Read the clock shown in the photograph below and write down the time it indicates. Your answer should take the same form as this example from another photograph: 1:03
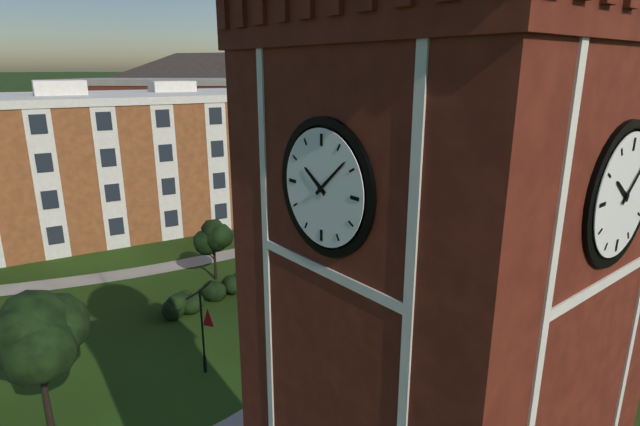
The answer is 10:08
